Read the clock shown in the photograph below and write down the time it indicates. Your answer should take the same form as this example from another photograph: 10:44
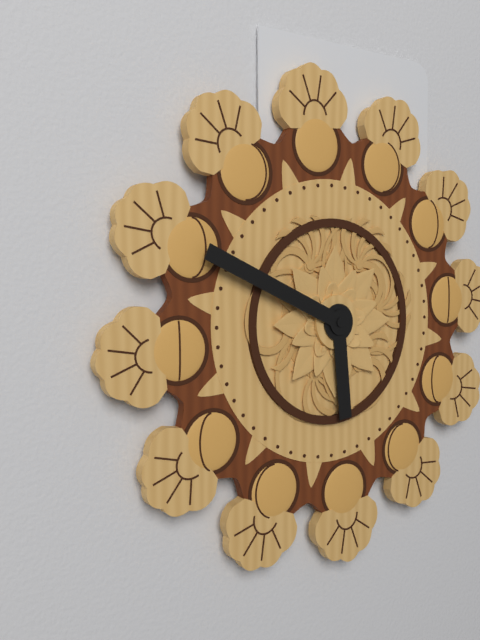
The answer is 5:49
